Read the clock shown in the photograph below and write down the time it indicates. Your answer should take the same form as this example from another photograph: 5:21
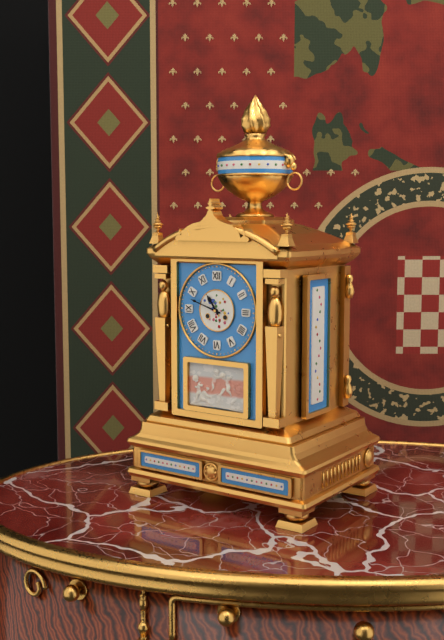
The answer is 10:48
